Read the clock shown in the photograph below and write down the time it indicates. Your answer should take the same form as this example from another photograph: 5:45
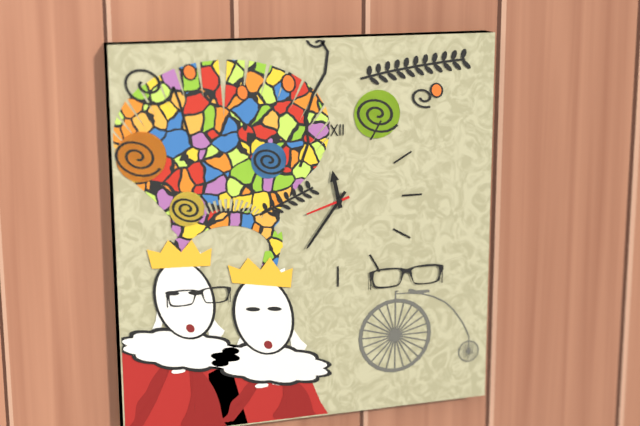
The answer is 11:36
